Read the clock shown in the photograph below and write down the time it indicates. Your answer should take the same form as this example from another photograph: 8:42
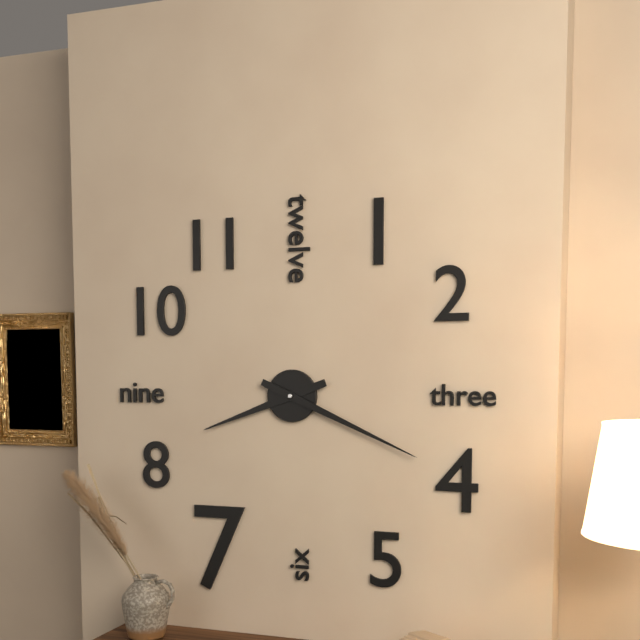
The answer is 8:19
